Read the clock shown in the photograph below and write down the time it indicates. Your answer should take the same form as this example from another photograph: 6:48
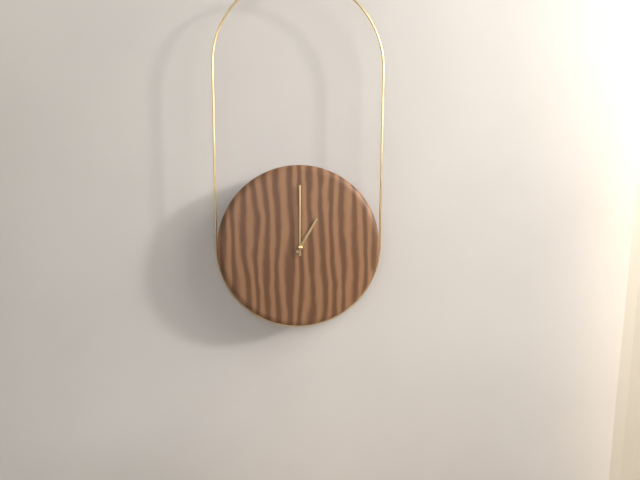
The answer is 1:00
